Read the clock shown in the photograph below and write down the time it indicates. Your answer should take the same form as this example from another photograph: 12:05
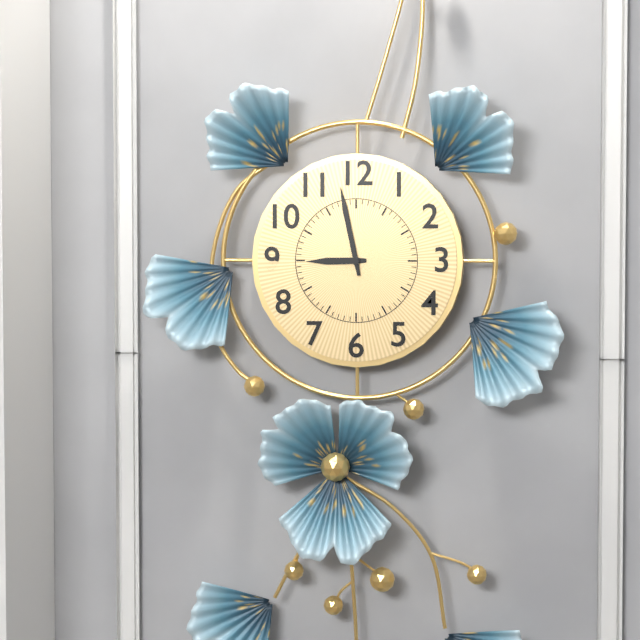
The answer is 8:58
